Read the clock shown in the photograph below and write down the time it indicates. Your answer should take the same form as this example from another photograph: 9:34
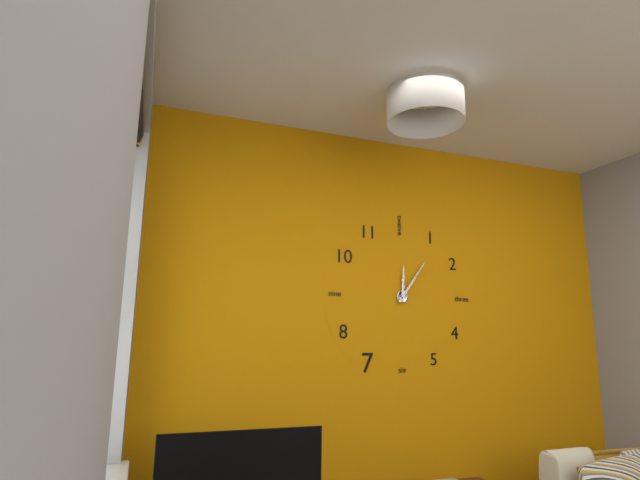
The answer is 12:06
